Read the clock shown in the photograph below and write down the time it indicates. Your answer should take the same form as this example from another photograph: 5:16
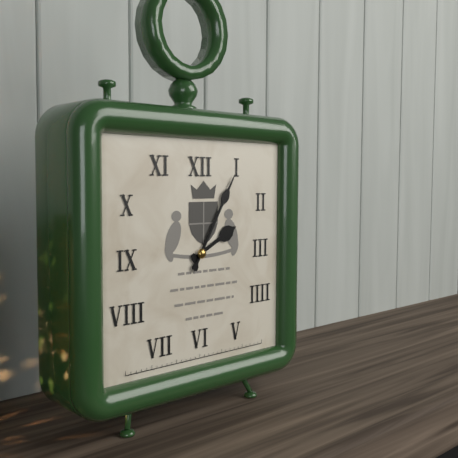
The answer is 2:05
